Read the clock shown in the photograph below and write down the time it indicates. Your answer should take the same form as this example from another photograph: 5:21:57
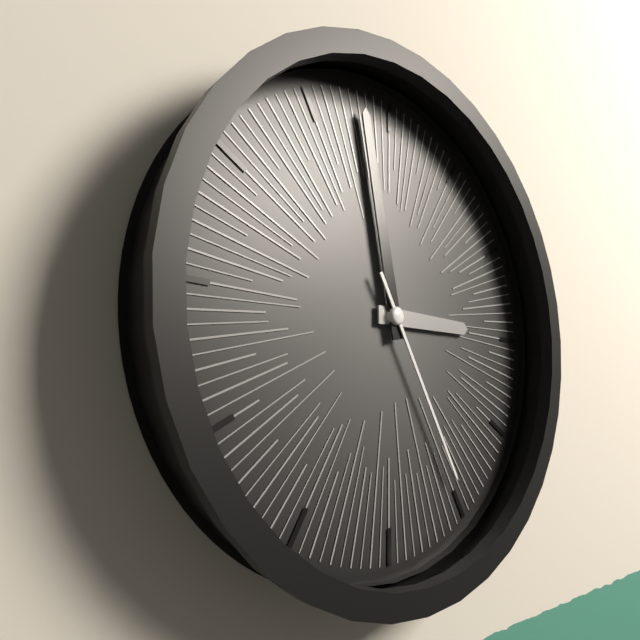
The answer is 2:58:25
